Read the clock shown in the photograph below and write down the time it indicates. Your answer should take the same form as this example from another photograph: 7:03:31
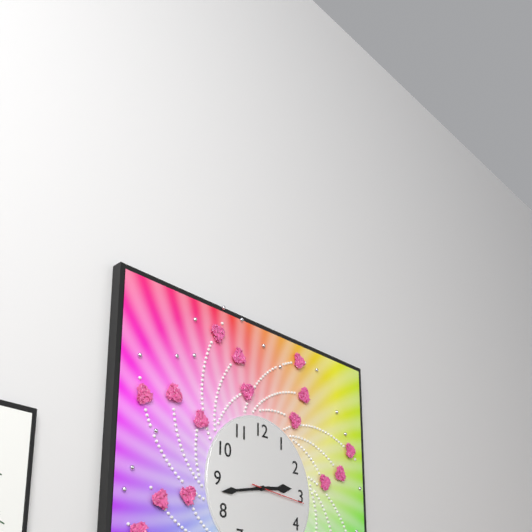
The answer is 2:43:16
